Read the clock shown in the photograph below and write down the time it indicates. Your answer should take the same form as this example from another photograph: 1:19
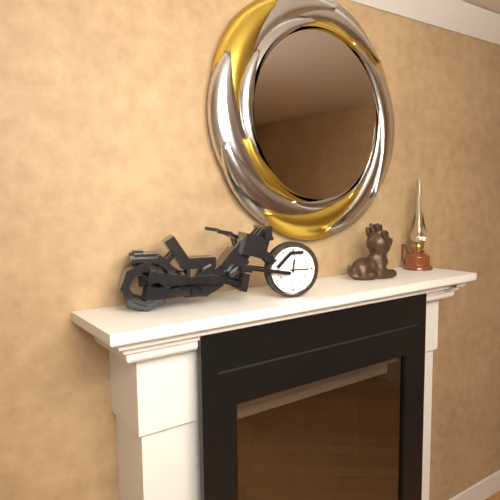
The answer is 12:15
